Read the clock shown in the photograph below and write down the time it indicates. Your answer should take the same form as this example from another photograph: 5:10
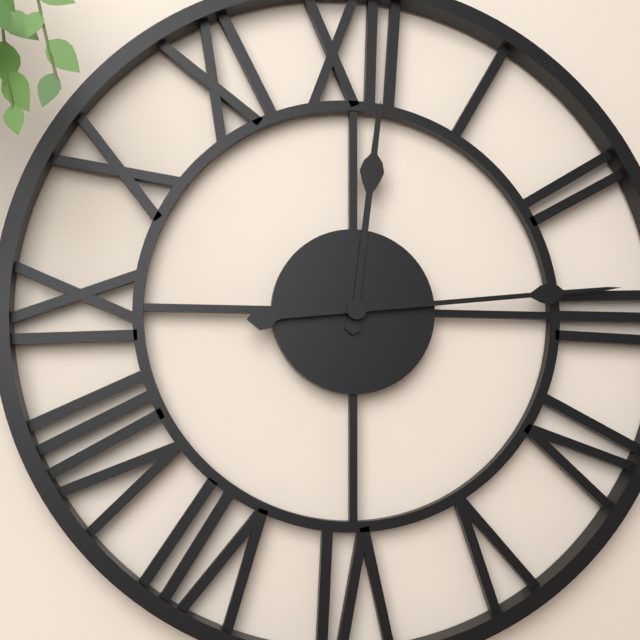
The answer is 12:14
